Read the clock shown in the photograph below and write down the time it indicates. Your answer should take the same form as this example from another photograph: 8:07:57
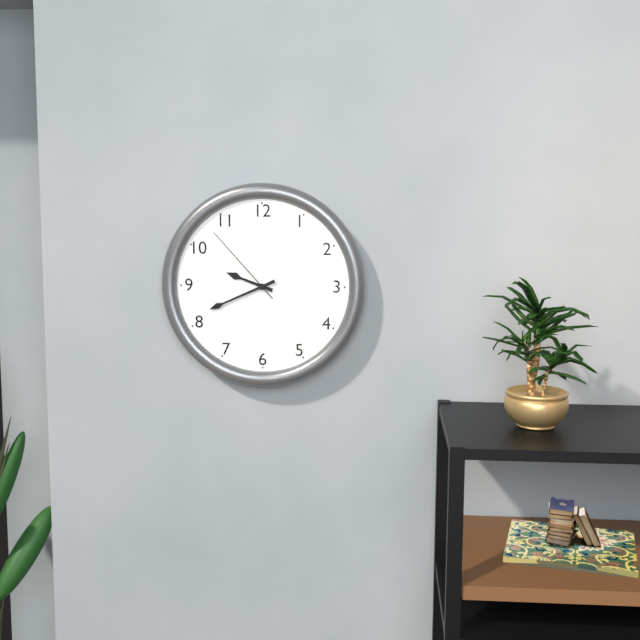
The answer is 9:41:53
